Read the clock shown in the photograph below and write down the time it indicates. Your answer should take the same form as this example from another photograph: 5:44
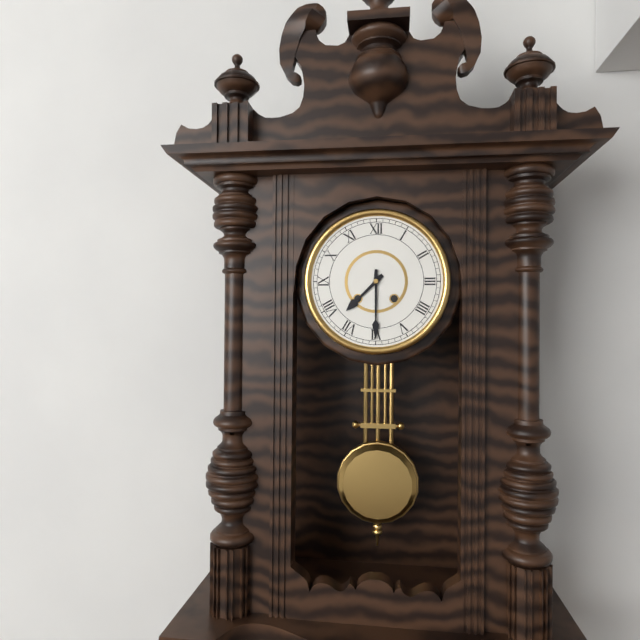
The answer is 7:30
